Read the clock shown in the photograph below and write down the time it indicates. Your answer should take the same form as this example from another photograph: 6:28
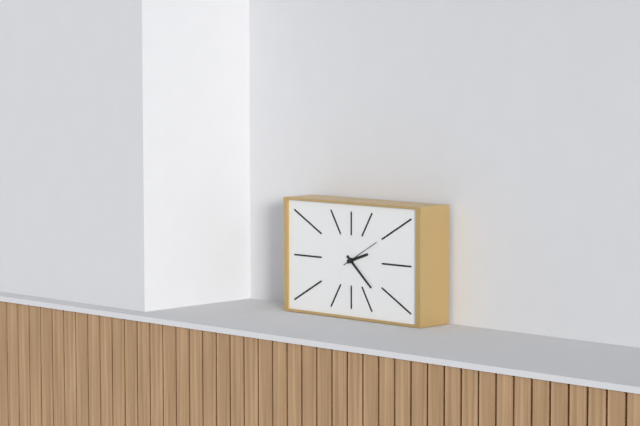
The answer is 2:22
